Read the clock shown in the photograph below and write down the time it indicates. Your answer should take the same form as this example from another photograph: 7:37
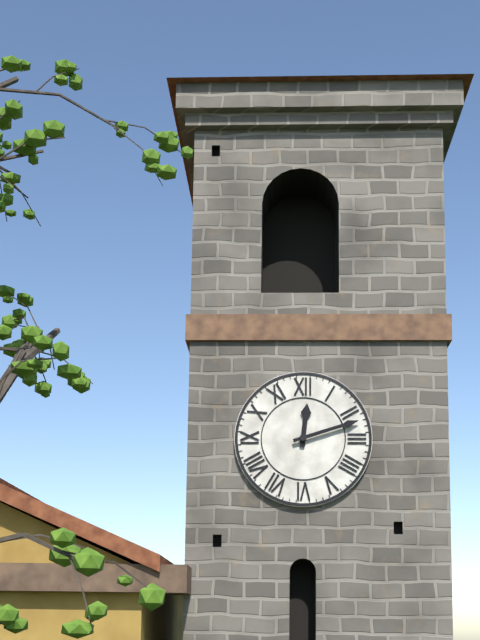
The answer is 12:12
